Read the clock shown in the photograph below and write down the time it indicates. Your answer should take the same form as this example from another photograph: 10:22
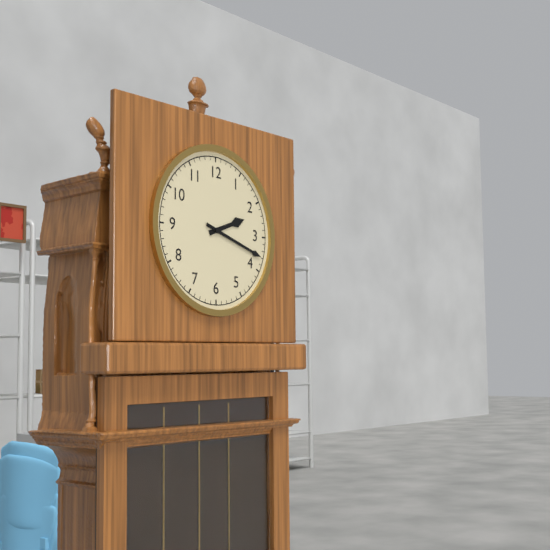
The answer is 2:18
